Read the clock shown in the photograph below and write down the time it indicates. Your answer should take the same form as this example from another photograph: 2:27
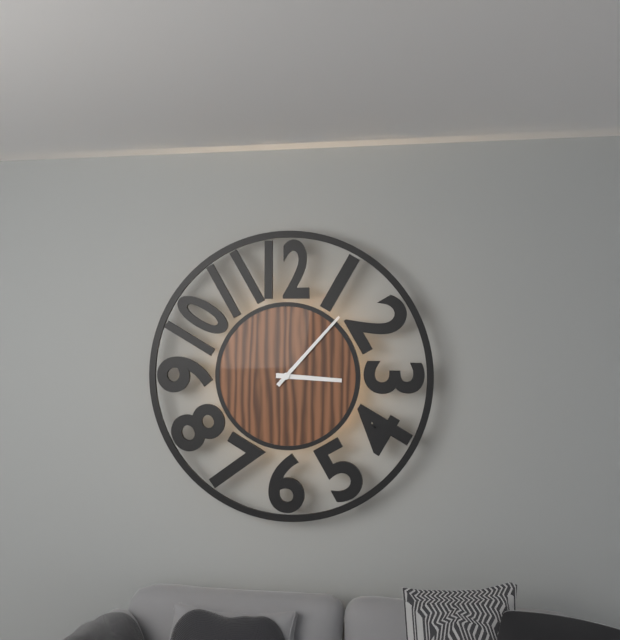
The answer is 3:07
